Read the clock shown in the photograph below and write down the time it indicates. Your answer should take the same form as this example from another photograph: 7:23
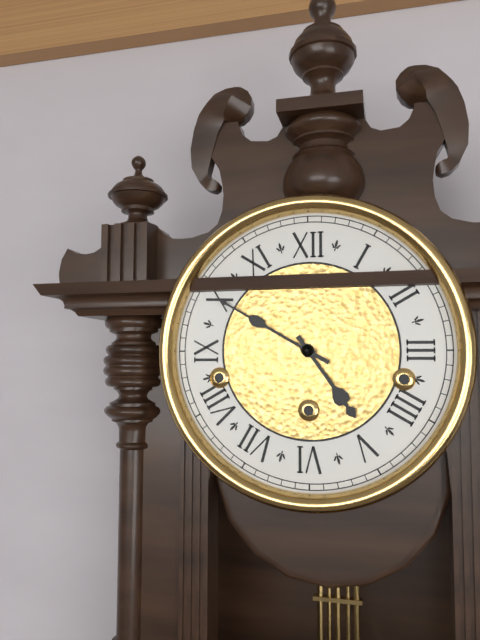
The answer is 4:50
